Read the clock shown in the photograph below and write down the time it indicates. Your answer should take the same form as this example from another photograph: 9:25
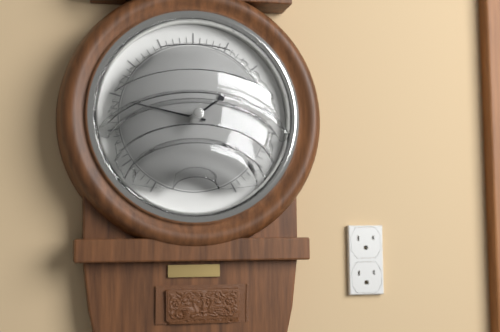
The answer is 1:47
